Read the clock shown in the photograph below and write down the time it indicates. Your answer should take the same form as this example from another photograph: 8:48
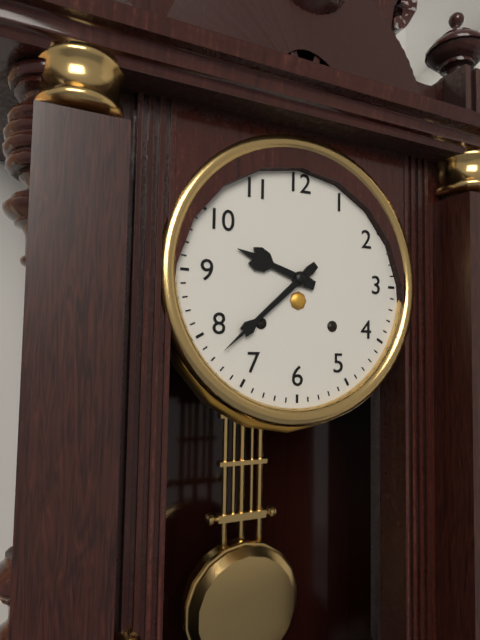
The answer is 9:38
